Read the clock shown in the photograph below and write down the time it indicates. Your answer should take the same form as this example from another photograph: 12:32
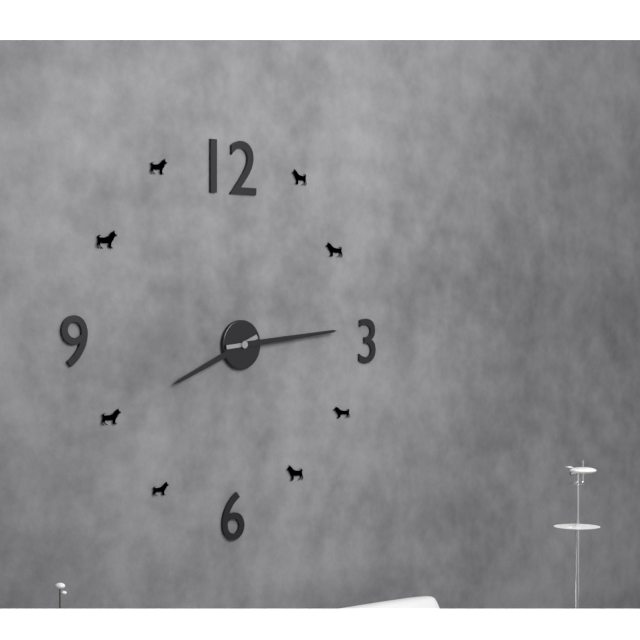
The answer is 8:14
